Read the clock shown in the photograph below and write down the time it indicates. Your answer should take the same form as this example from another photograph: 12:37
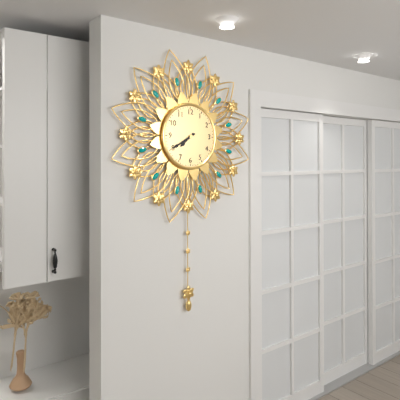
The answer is 7:40
